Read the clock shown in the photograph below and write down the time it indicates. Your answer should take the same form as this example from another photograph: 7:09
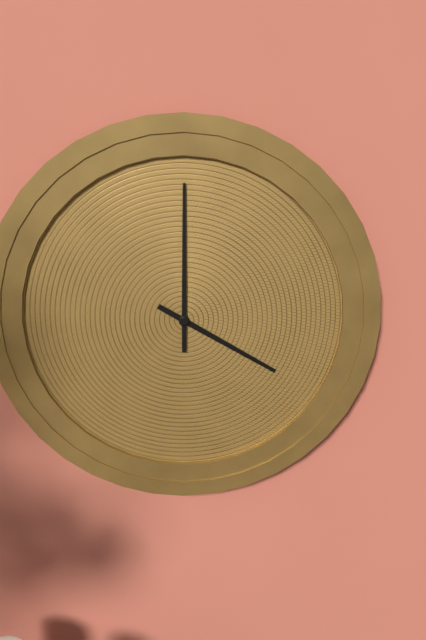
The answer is 4:00
